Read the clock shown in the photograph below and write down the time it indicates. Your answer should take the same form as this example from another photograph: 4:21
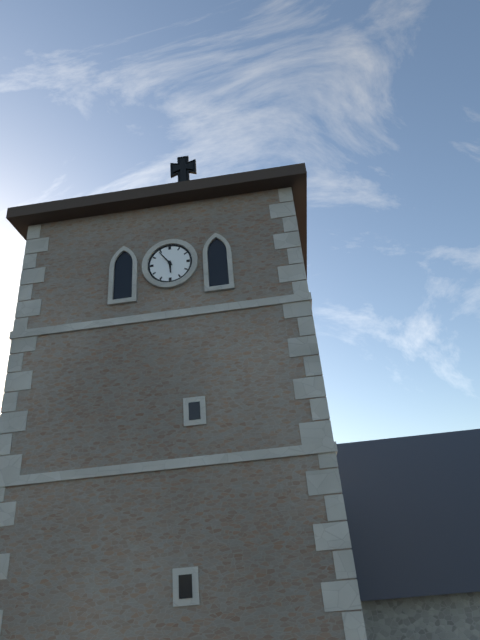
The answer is 5:54
